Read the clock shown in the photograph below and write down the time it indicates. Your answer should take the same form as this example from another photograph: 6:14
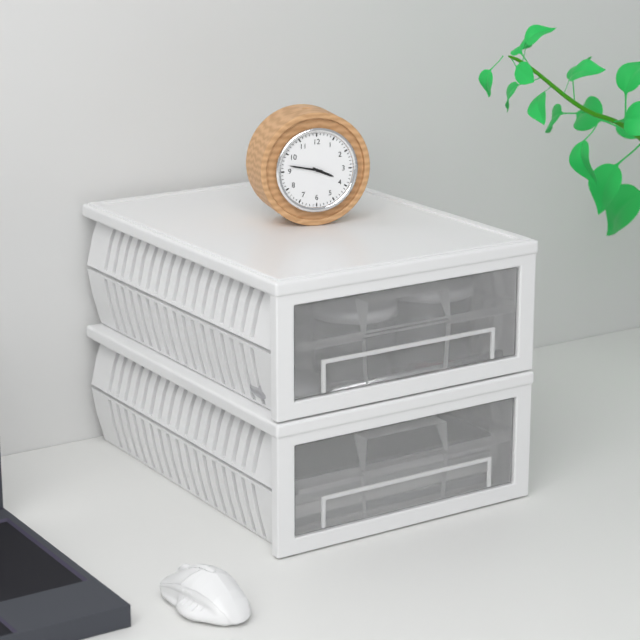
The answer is 3:47
